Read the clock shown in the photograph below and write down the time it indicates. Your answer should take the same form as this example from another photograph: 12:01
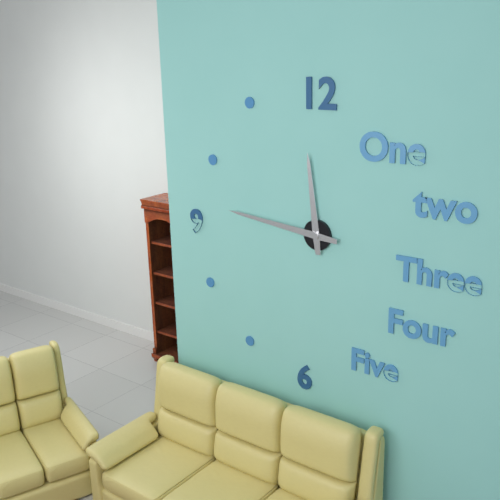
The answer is 11:46
